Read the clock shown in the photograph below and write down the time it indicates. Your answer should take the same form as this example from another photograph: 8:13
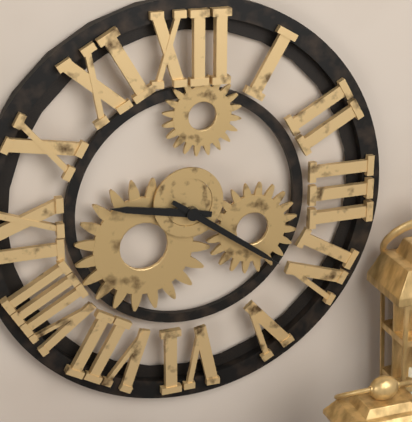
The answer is 9:21
